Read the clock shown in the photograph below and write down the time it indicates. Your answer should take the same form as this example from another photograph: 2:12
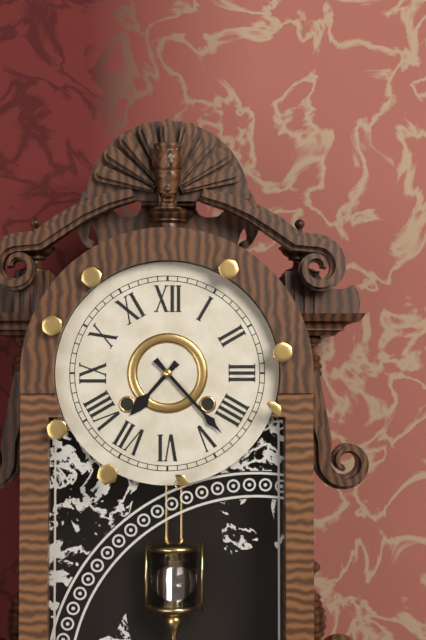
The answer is 7:23
